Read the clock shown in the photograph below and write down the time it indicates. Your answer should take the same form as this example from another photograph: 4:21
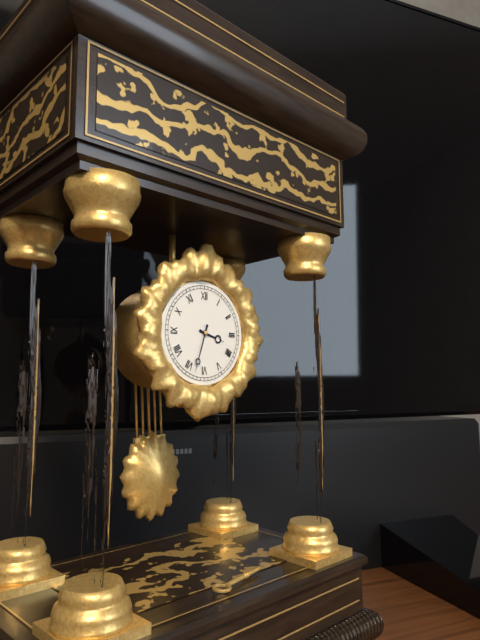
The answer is 3:33
